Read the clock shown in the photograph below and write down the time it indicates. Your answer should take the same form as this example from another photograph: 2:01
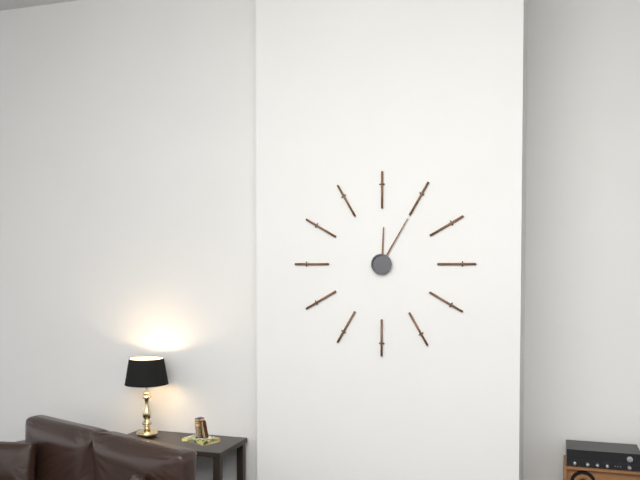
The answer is 12:05
